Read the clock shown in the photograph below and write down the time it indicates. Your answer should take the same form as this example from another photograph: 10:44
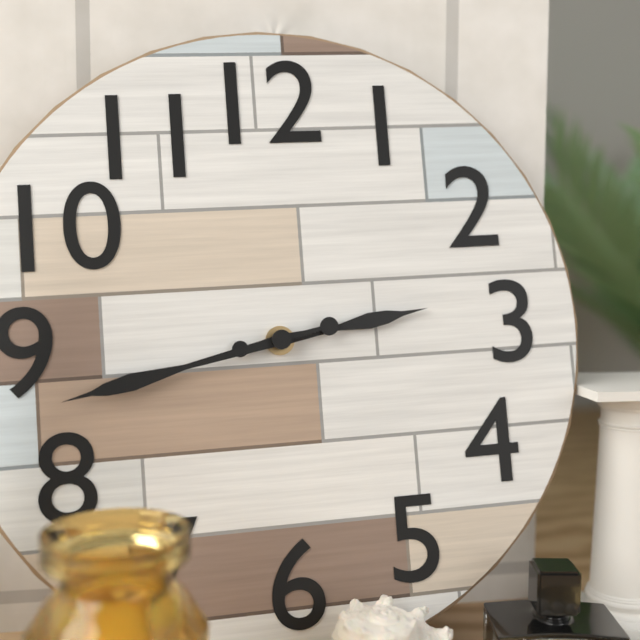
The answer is 2:43
